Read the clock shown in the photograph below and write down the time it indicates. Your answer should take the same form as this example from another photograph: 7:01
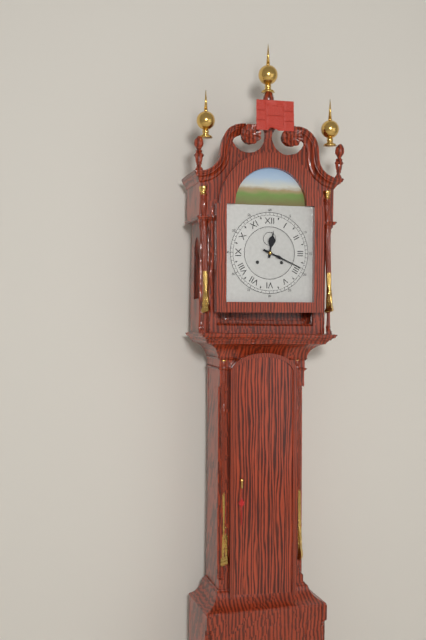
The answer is 12:19
